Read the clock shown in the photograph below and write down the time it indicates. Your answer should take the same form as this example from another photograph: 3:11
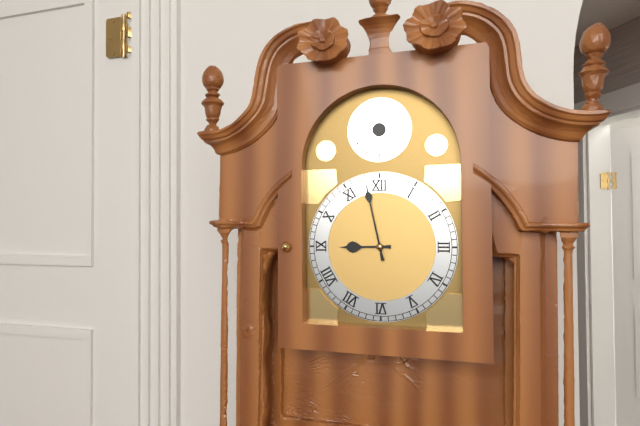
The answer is 8:58
